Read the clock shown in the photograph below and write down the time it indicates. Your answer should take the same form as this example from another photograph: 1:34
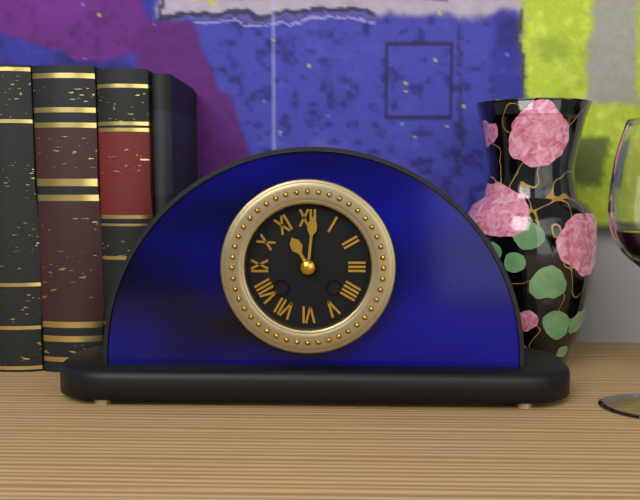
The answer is 11:01
